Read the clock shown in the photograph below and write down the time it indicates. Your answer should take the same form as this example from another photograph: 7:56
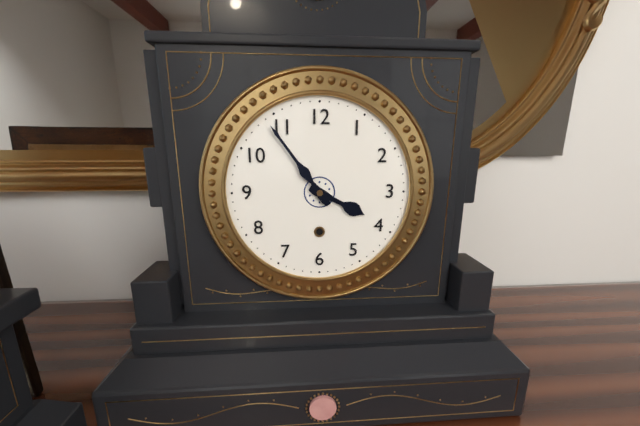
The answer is 3:54
